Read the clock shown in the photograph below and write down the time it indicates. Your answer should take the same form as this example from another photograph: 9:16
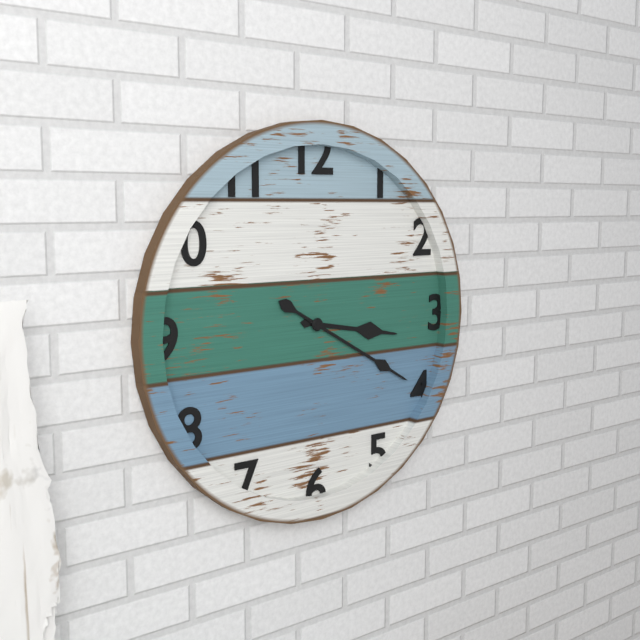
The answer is 3:20
